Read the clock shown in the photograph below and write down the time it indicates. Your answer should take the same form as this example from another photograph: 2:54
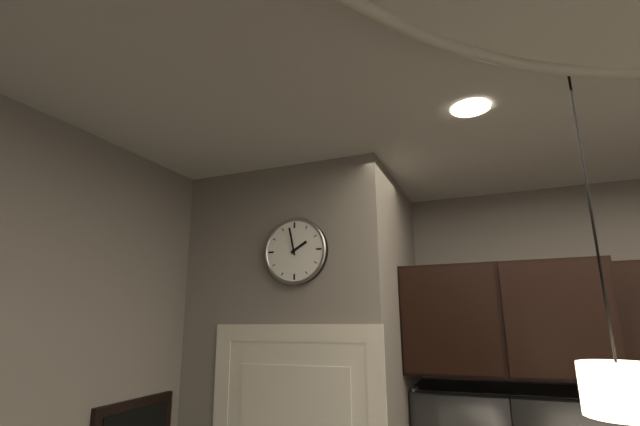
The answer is 1:58
